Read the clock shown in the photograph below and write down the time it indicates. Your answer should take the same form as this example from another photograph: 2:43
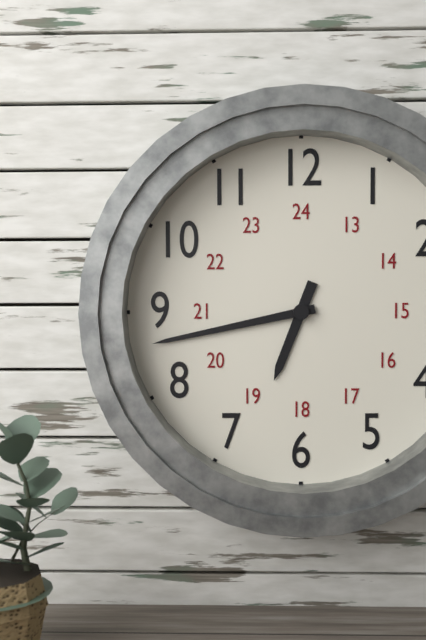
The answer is 6:43
